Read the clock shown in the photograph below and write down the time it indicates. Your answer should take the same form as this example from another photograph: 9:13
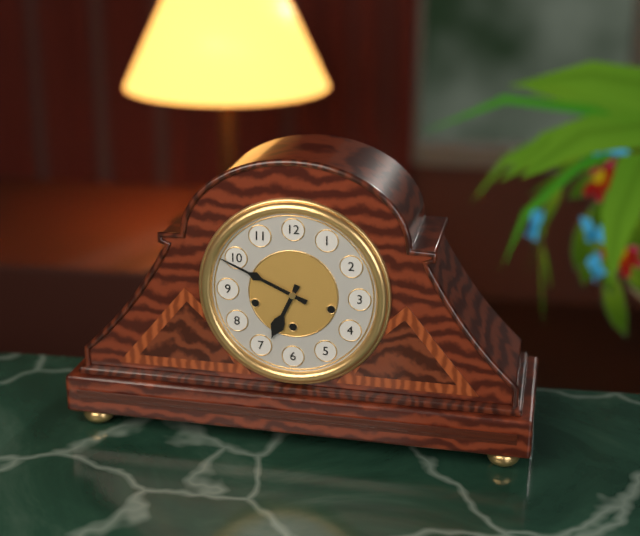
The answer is 6:49
